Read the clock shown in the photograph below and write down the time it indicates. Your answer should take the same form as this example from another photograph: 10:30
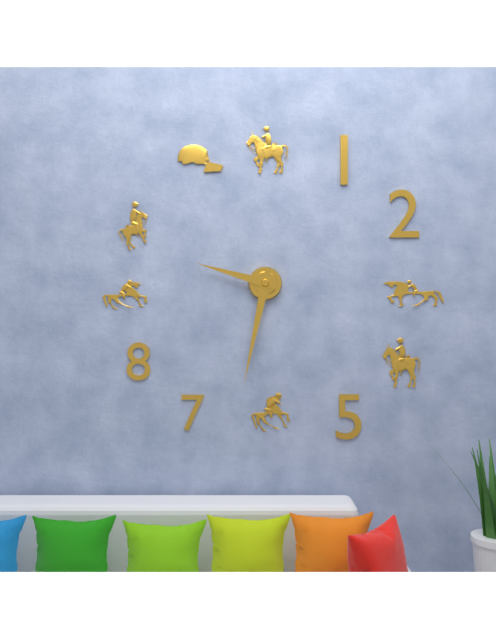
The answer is 9:32
